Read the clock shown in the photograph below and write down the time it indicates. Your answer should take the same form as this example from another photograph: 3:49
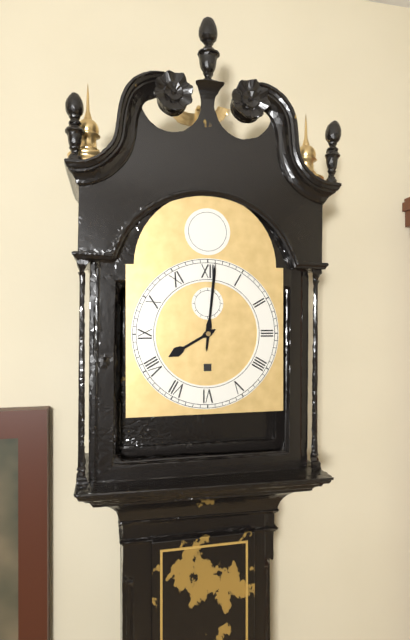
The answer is 8:01
